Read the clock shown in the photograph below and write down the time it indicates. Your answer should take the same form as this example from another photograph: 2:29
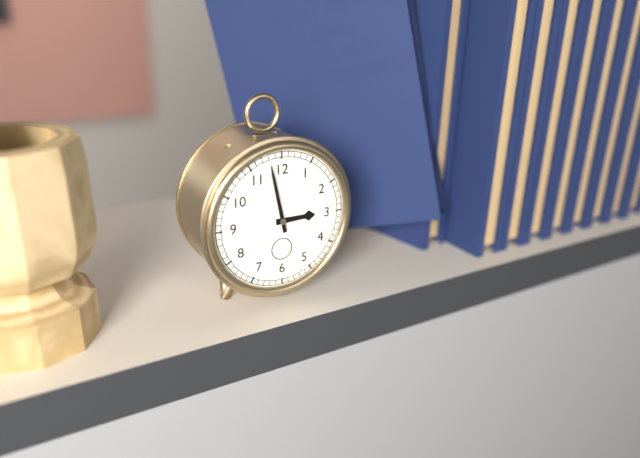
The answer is 2:58
